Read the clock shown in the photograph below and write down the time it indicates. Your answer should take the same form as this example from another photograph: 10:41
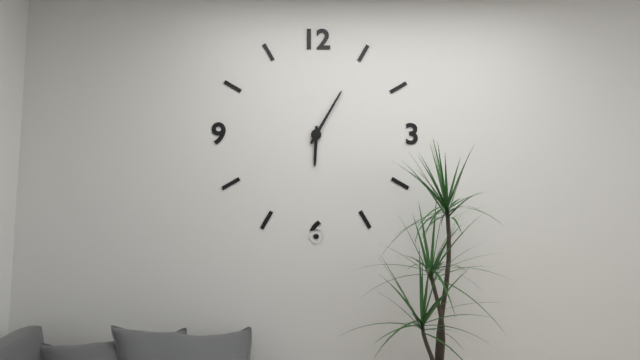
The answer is 6:05
